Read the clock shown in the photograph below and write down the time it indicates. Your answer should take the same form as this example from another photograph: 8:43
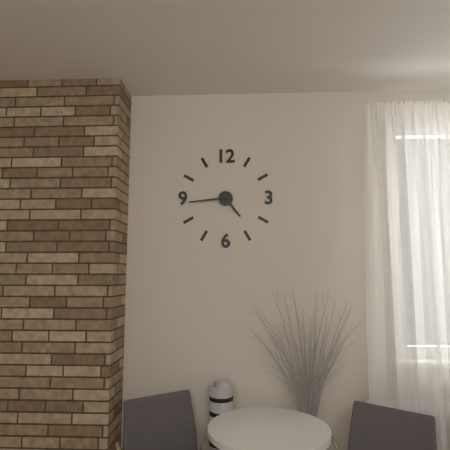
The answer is 4:44
